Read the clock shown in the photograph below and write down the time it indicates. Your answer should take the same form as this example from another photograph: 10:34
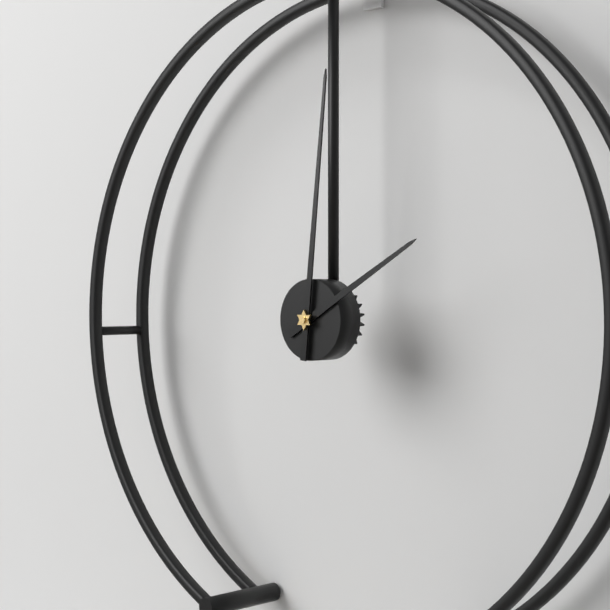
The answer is 2:01
